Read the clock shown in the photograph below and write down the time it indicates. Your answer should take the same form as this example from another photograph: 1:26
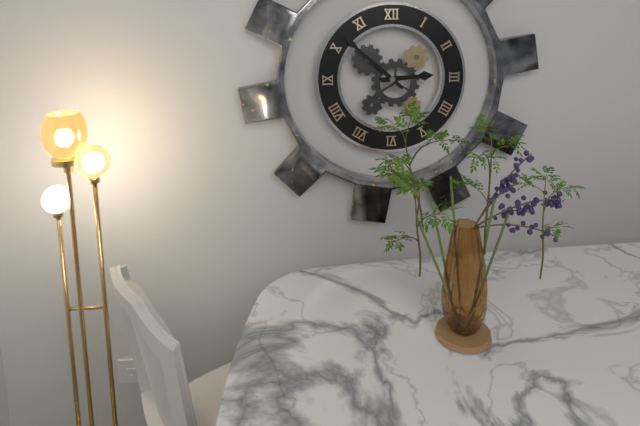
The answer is 2:52
